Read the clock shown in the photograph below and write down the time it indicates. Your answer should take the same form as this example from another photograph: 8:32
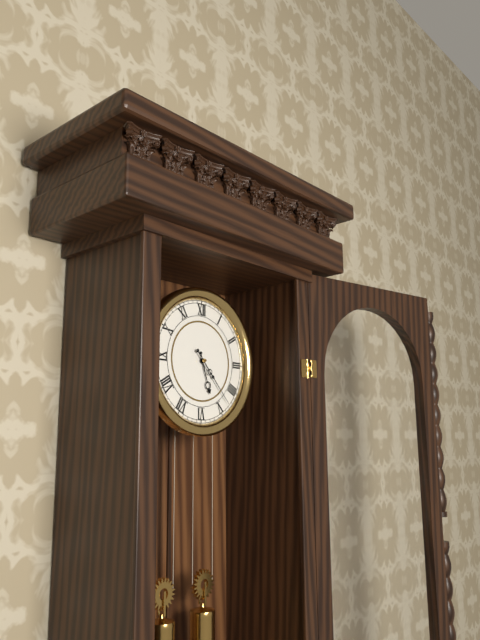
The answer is 5:23
